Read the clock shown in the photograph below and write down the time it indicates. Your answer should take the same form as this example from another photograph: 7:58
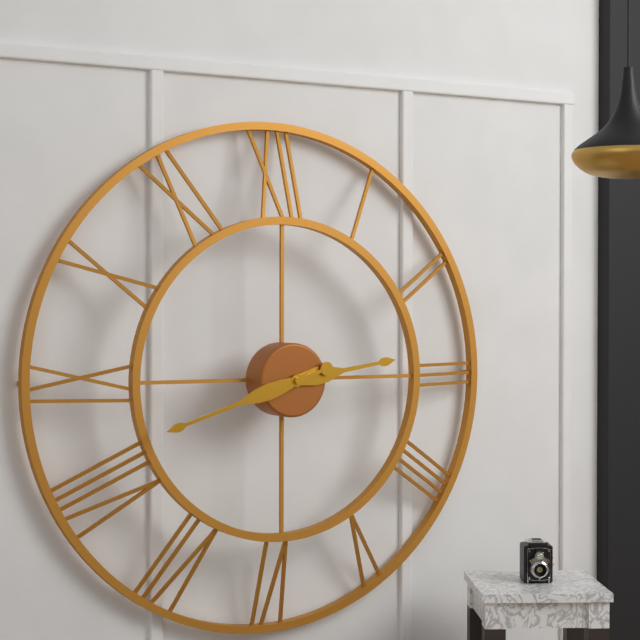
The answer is 2:42
